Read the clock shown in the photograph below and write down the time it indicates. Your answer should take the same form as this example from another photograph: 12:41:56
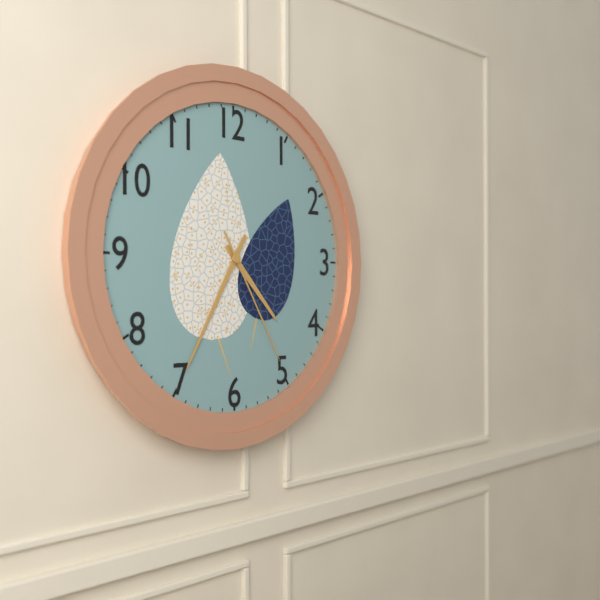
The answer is 4:35:25
